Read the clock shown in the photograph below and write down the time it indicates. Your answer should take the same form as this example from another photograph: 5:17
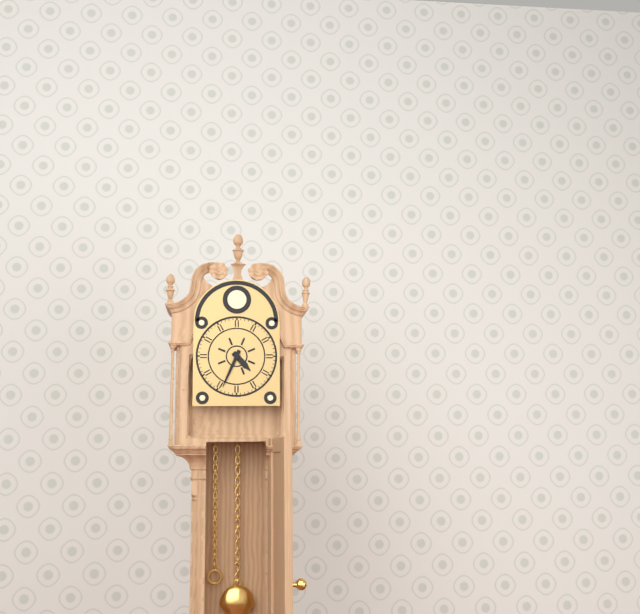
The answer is 4:34
